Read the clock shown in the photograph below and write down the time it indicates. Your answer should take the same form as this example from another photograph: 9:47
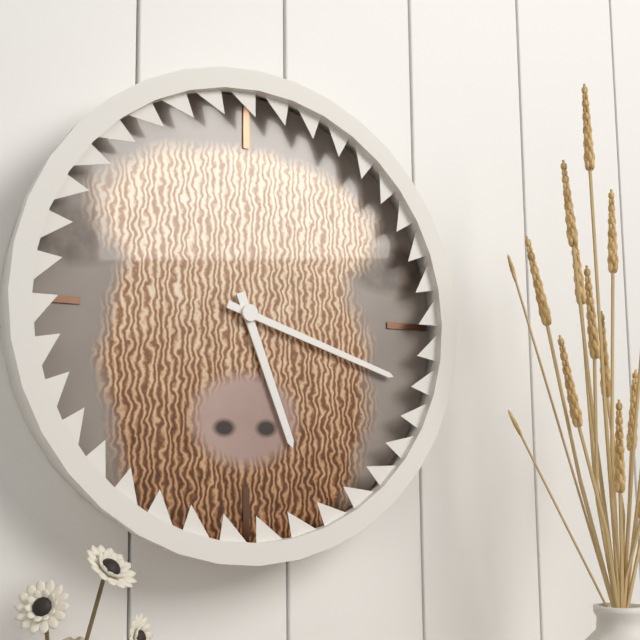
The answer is 5:18
